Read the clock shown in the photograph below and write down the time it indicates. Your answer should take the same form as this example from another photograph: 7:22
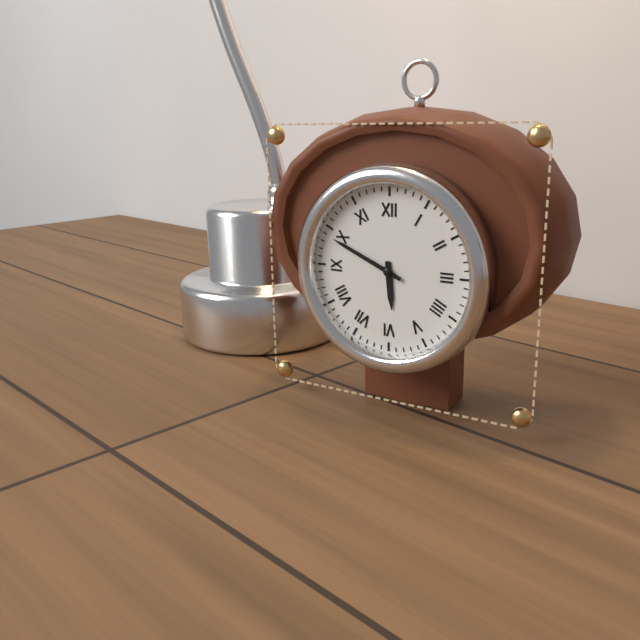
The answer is 5:49
